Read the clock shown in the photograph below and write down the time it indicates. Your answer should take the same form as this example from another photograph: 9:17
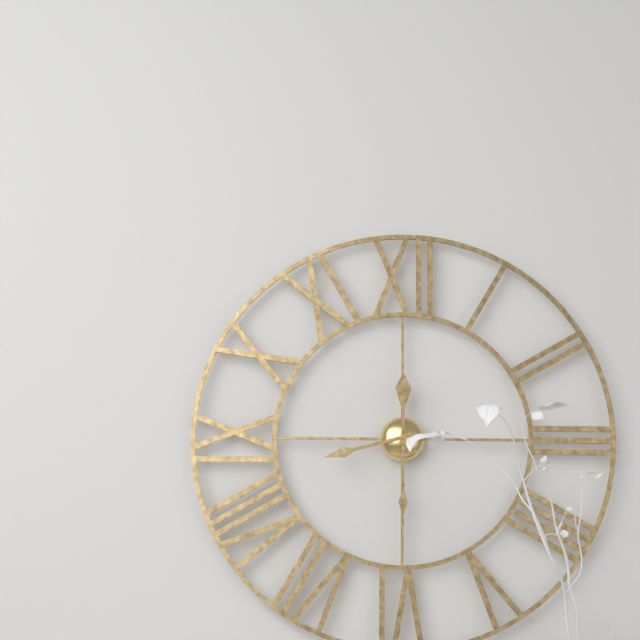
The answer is 8:30
